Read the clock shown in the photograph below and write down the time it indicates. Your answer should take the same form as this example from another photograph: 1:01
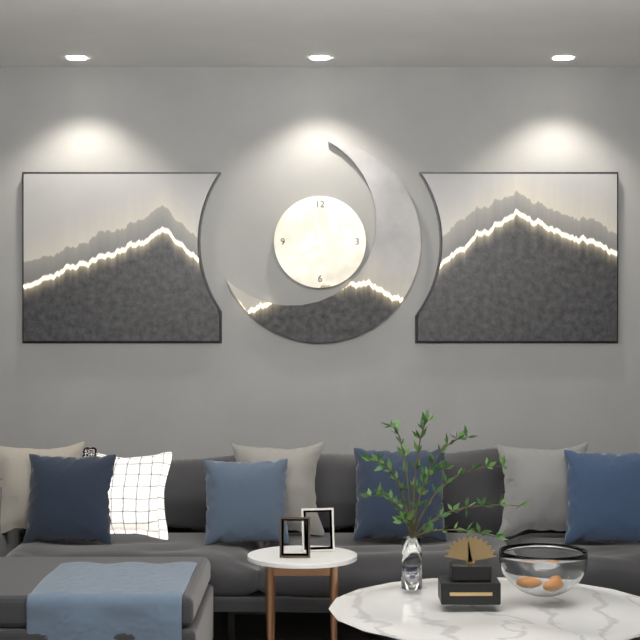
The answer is 7:58
